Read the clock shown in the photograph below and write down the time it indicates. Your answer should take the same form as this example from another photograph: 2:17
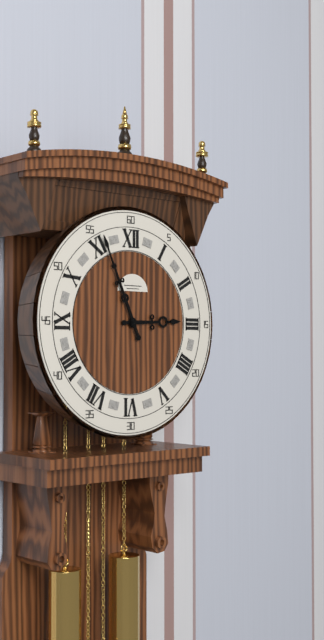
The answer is 2:56
